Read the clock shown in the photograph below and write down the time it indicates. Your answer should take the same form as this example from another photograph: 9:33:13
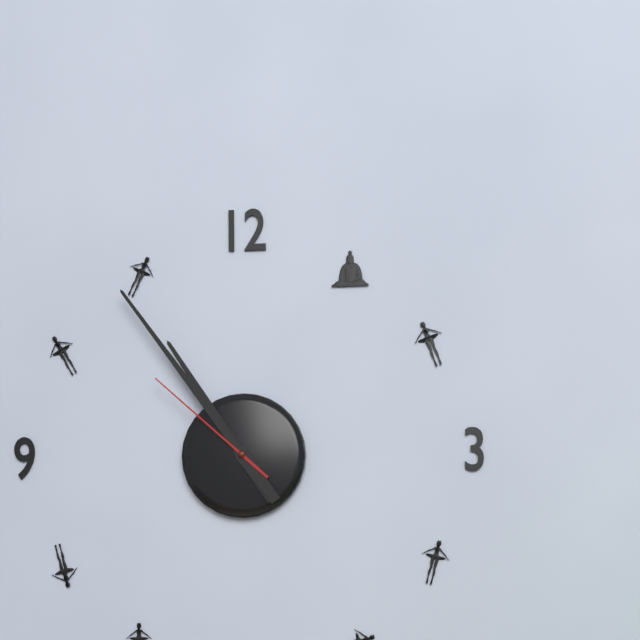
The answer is 10:54:52
